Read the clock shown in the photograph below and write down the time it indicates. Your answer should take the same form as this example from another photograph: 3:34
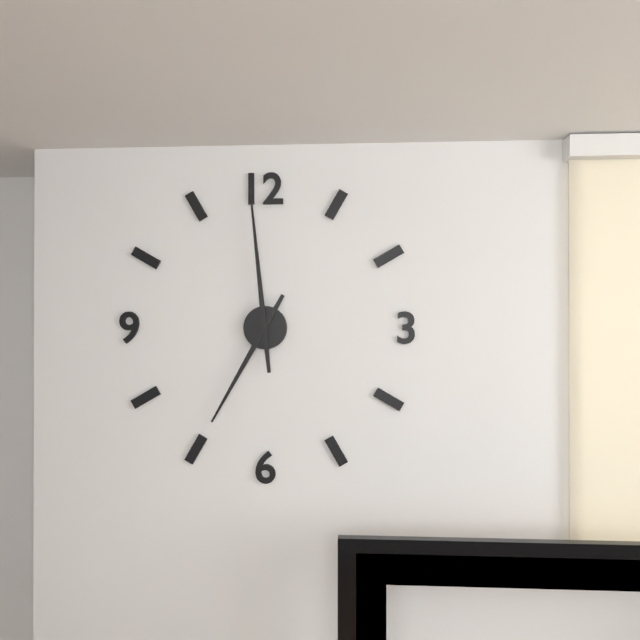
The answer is 6:59
